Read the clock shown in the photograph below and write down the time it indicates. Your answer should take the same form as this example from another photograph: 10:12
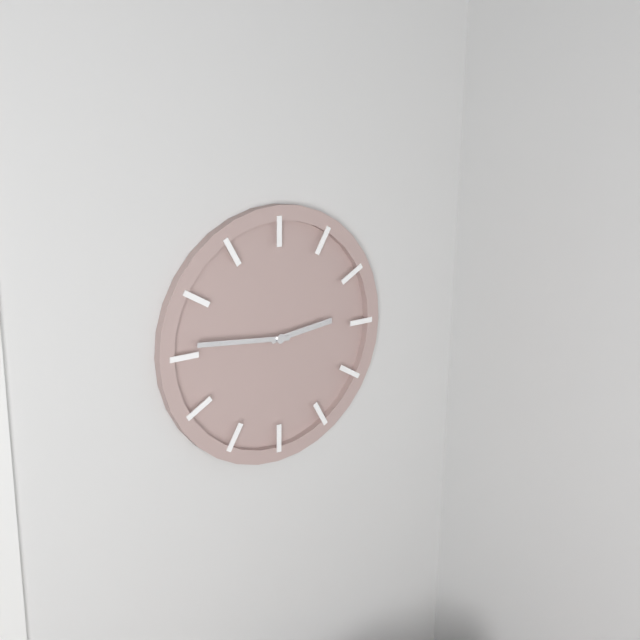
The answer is 2:46
